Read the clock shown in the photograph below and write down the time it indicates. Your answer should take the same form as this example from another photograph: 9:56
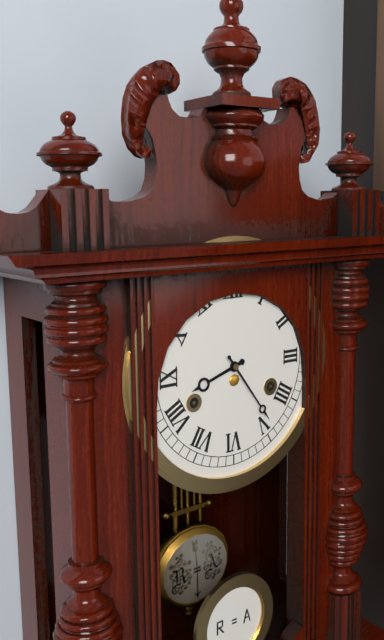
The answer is 8:24
